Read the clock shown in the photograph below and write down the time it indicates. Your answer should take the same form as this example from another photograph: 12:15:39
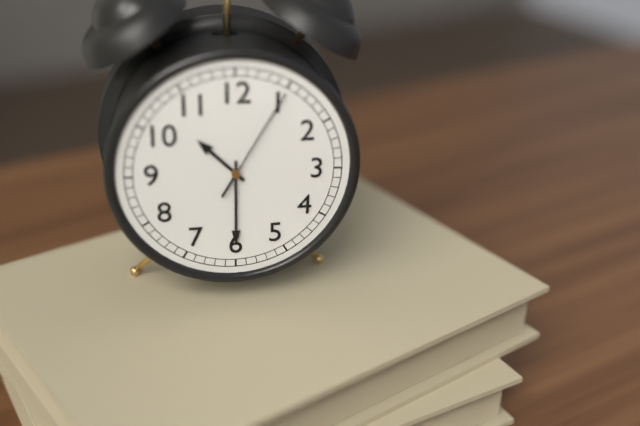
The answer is 10:30:05
